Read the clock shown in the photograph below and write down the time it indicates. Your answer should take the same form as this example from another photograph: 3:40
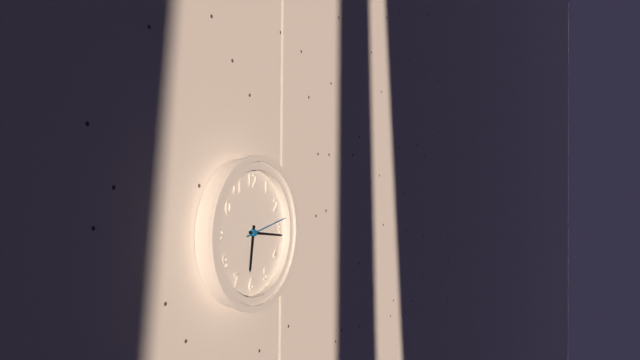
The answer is 6:16
